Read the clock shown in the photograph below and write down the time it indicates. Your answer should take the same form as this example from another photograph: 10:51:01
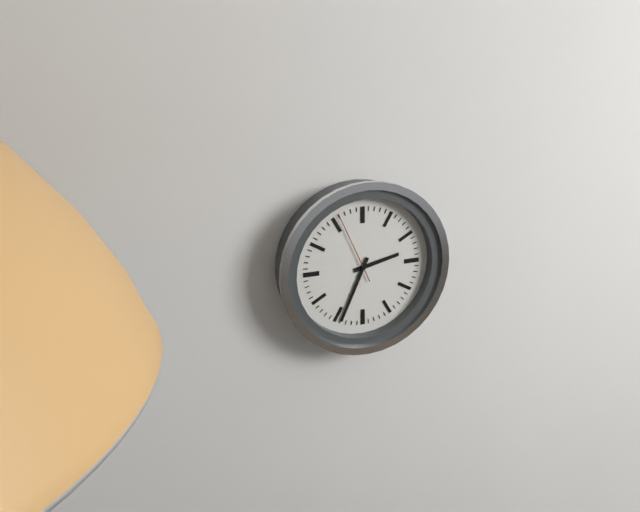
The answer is 2:34:56
